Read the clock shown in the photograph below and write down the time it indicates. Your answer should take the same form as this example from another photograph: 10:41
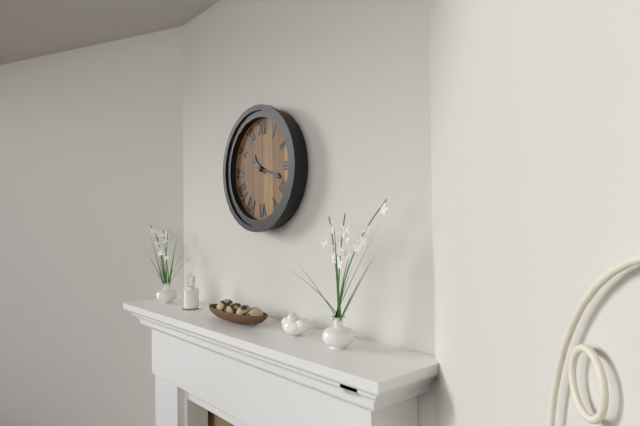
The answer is 10:18
